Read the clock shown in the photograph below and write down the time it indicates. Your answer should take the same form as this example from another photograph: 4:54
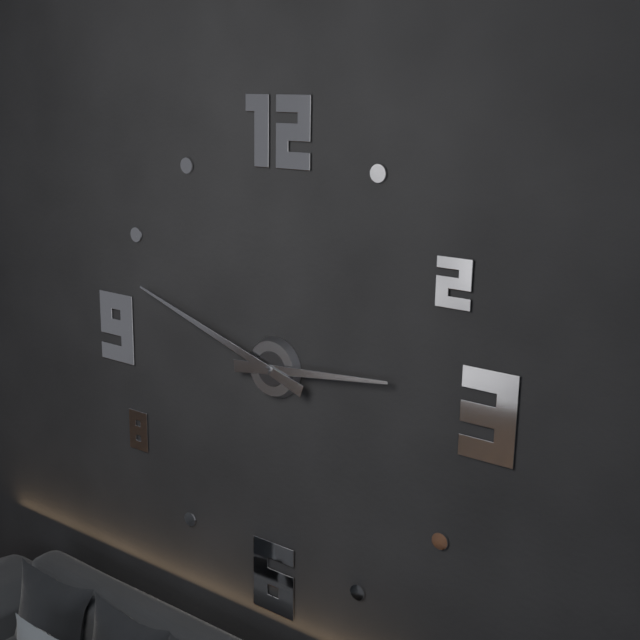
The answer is 2:48
